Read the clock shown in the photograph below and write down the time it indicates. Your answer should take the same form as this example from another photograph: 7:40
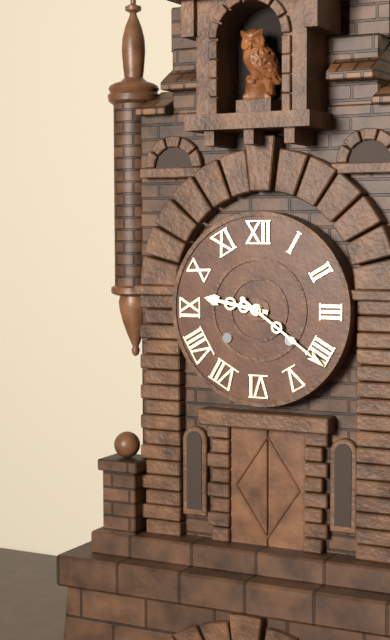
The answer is 9:21
